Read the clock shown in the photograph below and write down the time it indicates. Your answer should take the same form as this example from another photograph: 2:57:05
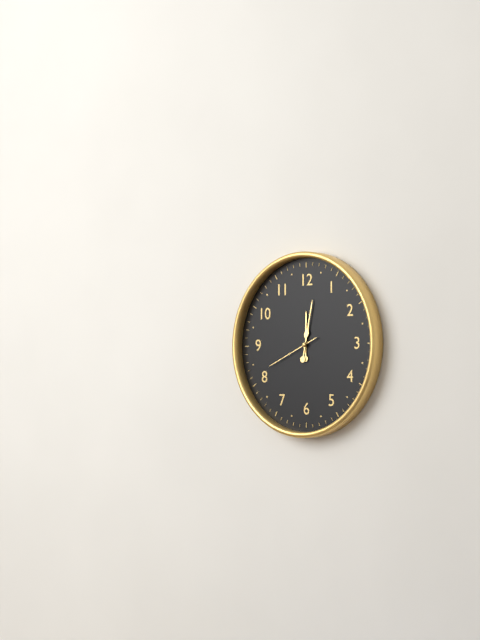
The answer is 12:02:41
